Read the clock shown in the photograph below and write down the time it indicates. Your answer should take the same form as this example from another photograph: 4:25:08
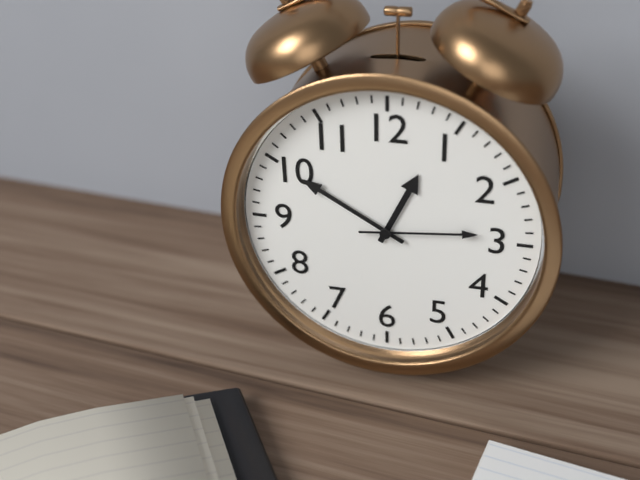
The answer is 12:50:14
